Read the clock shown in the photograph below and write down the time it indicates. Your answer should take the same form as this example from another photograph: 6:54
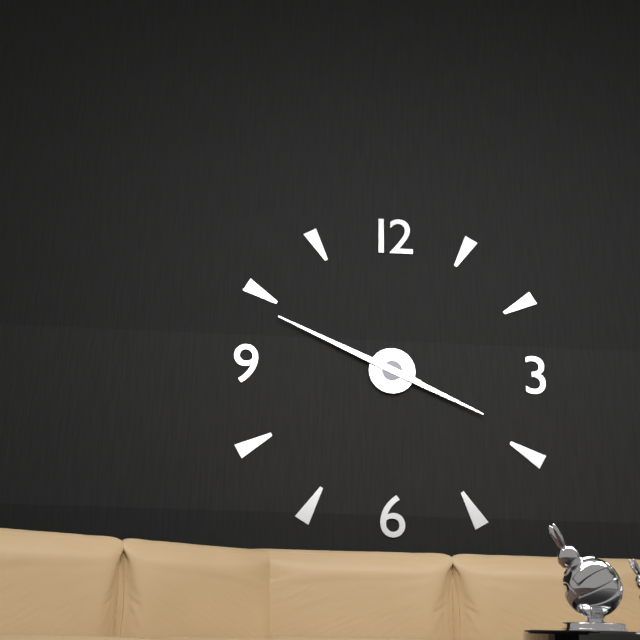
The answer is 3:49
